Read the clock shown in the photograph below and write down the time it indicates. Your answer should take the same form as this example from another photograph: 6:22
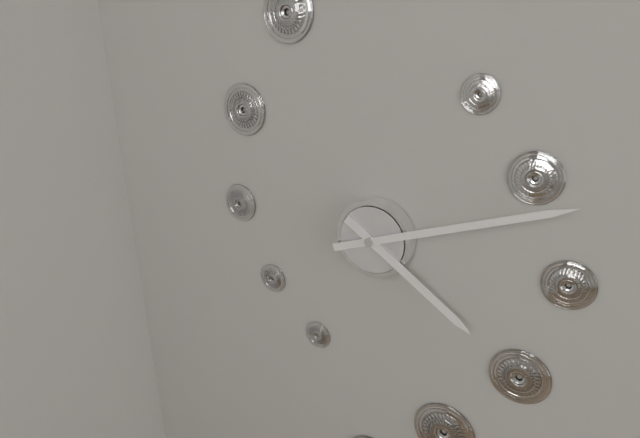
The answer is 4:12
